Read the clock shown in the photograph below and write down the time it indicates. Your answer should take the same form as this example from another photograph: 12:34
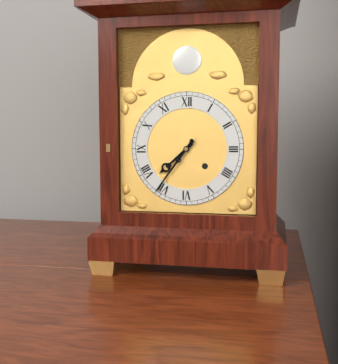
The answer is 7:36
